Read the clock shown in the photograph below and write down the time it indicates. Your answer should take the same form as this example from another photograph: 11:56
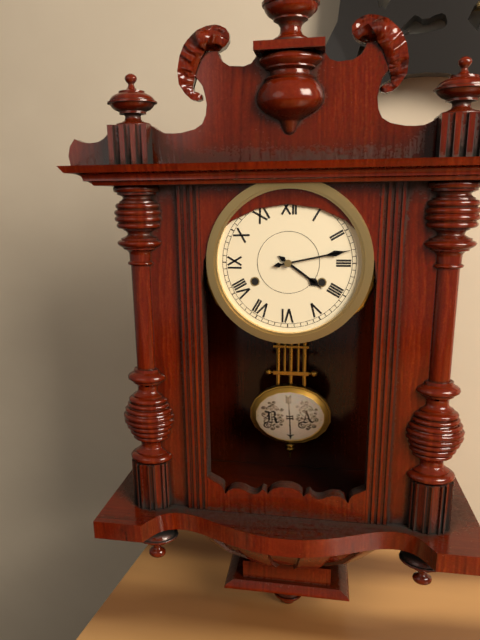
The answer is 4:13
